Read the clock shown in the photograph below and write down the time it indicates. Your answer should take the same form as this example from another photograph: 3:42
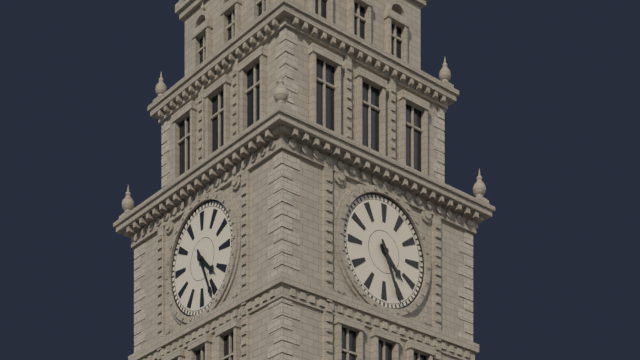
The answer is 4:26
